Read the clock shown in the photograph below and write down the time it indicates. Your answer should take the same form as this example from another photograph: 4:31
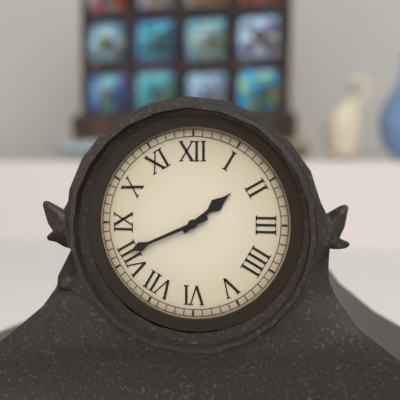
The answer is 1:41
